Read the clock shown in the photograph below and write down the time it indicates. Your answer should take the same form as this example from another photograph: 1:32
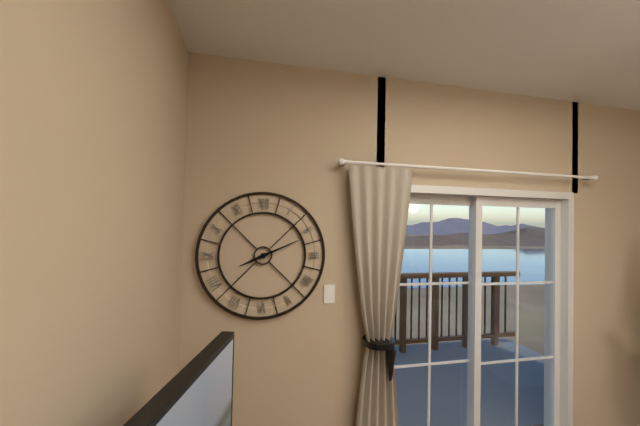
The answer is 8:11
